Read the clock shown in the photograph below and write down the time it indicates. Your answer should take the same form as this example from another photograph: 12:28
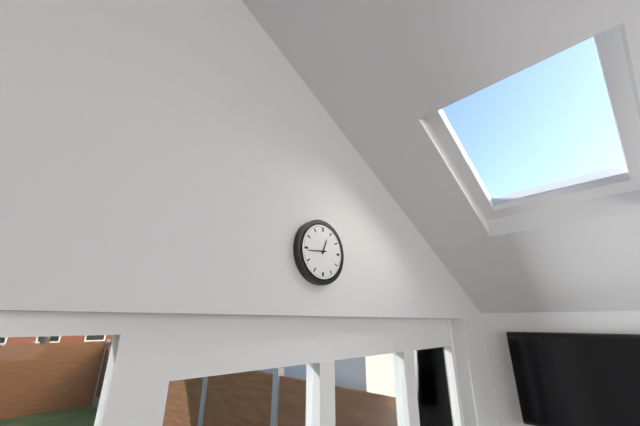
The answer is 12:44
